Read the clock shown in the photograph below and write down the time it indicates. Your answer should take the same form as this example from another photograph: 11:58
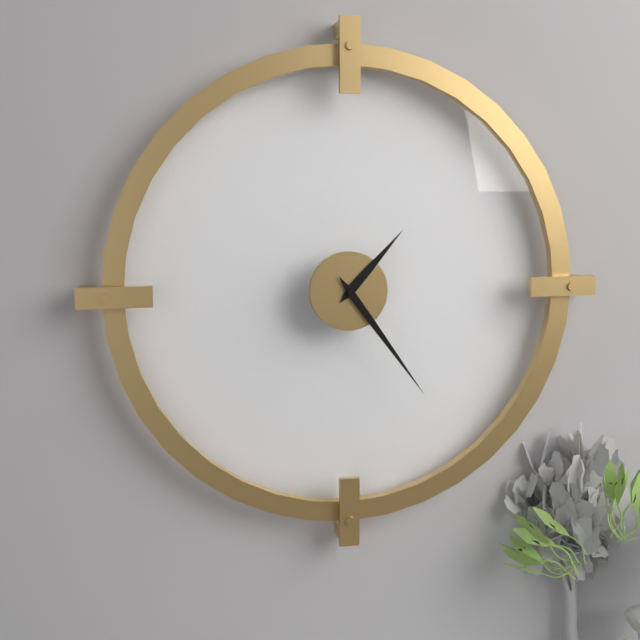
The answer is 1:24
